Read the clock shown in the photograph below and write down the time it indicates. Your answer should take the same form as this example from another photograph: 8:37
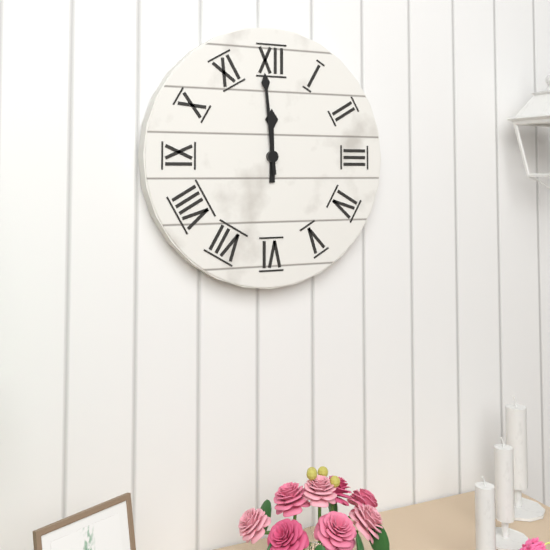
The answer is 11:59
